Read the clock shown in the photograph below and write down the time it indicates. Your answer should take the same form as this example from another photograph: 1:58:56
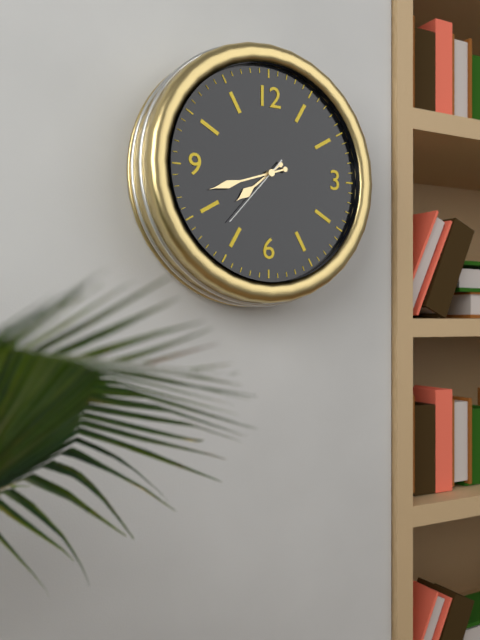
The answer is 7:42:37
